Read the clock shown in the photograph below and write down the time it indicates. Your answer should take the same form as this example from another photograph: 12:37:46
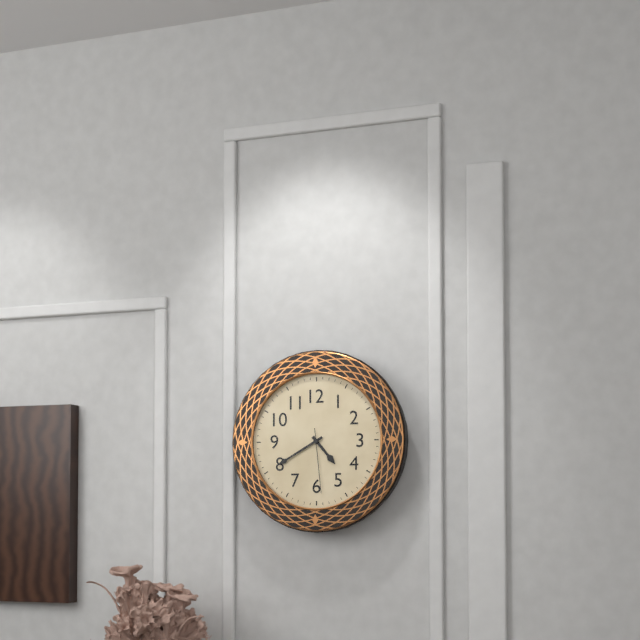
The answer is 4:40:29
